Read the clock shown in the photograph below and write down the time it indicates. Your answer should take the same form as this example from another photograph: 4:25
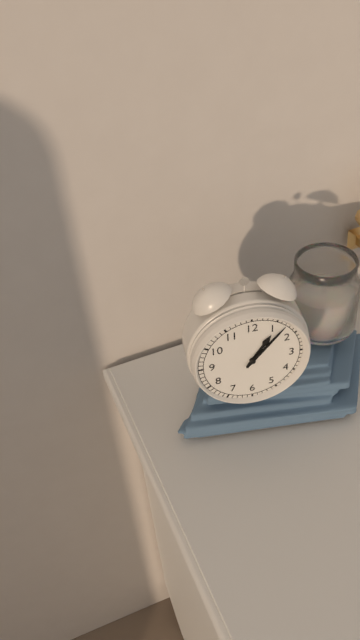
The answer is 1:07
